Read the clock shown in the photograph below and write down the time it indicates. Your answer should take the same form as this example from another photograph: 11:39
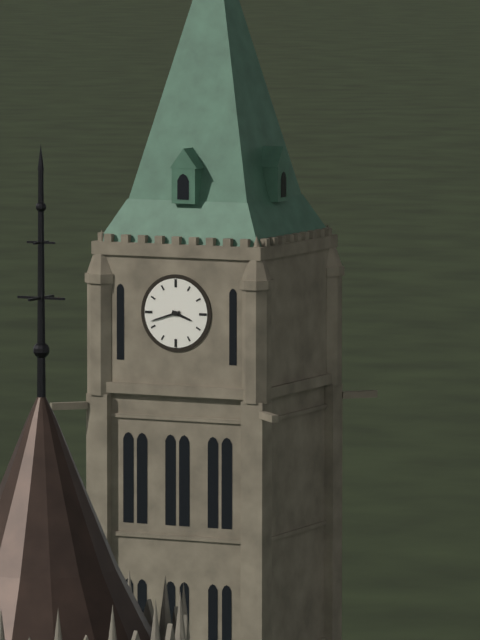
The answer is 3:42
